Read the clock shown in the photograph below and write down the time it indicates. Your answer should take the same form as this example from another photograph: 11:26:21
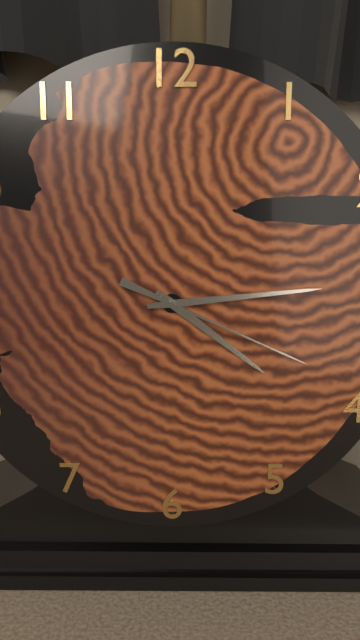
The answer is 4:14:19
